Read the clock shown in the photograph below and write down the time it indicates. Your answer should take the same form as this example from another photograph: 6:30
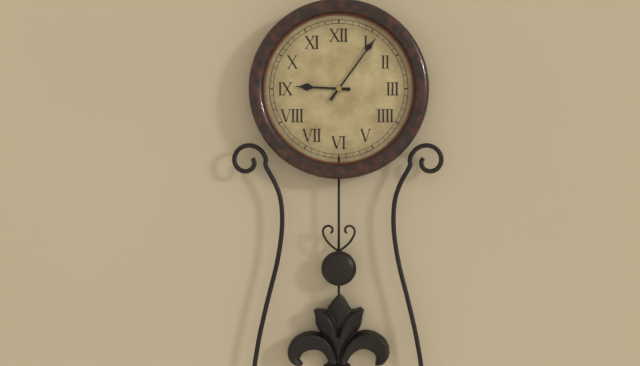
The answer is 9:06
